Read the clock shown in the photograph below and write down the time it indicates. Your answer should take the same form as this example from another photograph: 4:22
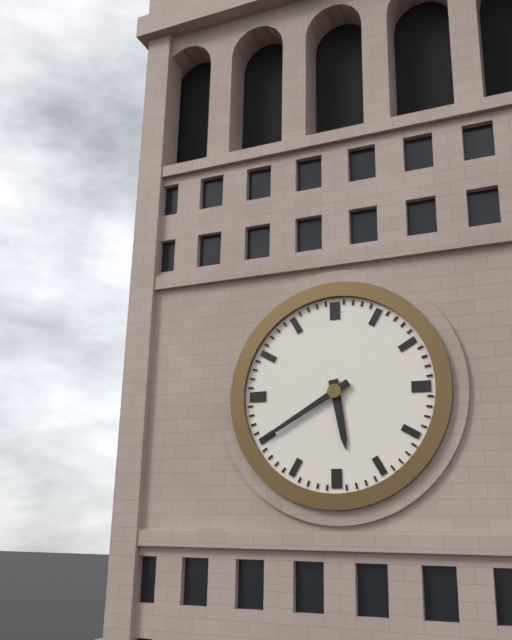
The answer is 5:40
